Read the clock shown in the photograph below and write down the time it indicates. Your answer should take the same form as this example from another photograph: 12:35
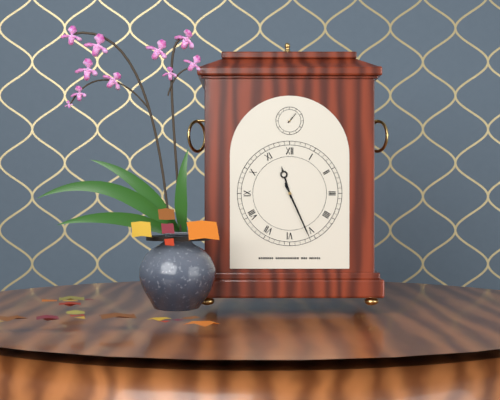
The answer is 11:26
